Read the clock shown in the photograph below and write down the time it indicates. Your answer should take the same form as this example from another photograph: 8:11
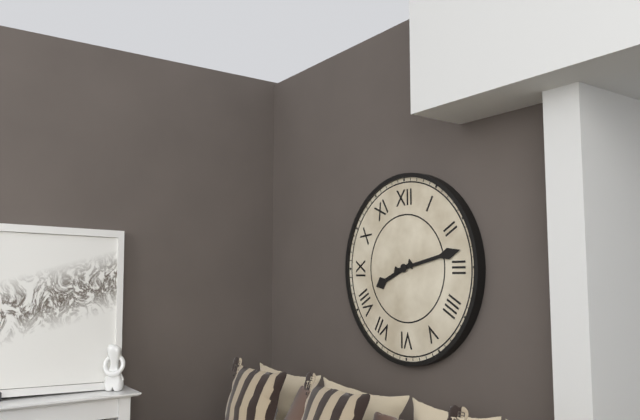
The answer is 8:13
